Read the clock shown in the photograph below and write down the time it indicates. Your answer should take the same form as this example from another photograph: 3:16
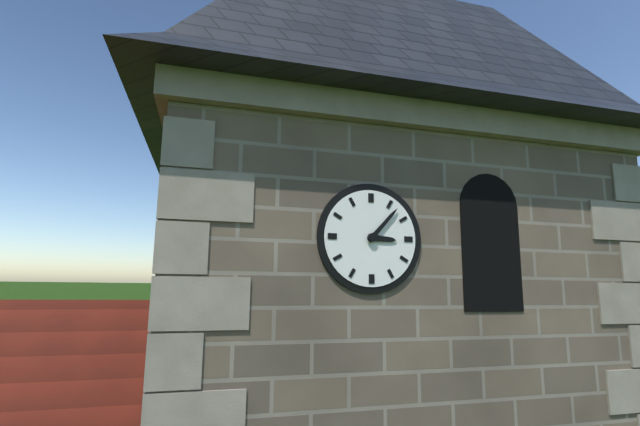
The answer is 3:07
